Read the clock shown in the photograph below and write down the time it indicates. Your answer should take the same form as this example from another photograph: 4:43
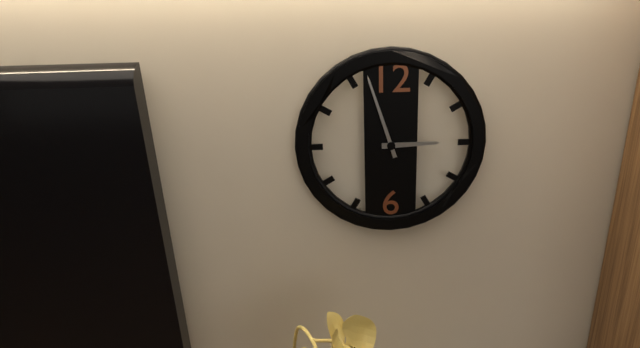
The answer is 2:57
